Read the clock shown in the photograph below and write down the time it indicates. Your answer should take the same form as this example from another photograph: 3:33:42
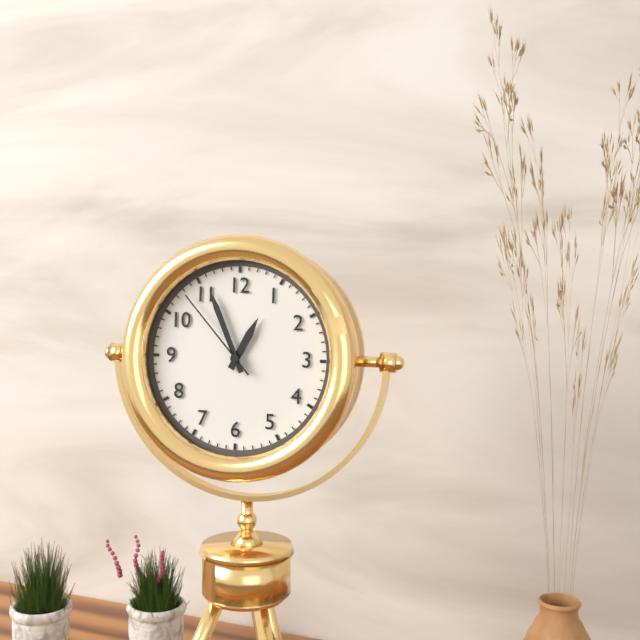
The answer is 12:56:53
